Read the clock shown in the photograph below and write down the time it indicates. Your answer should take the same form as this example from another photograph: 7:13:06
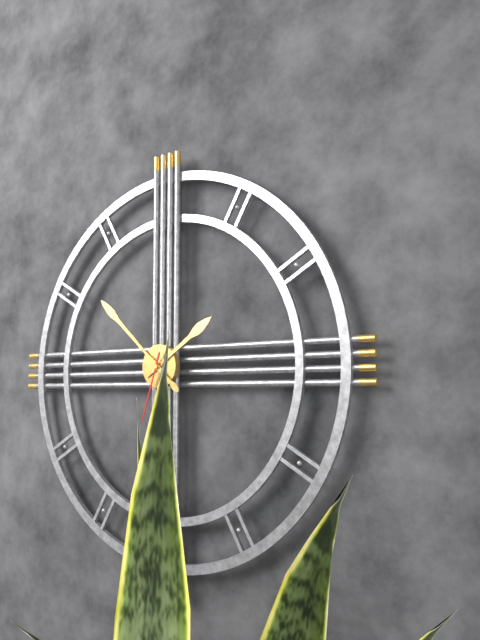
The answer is 1:52:33
